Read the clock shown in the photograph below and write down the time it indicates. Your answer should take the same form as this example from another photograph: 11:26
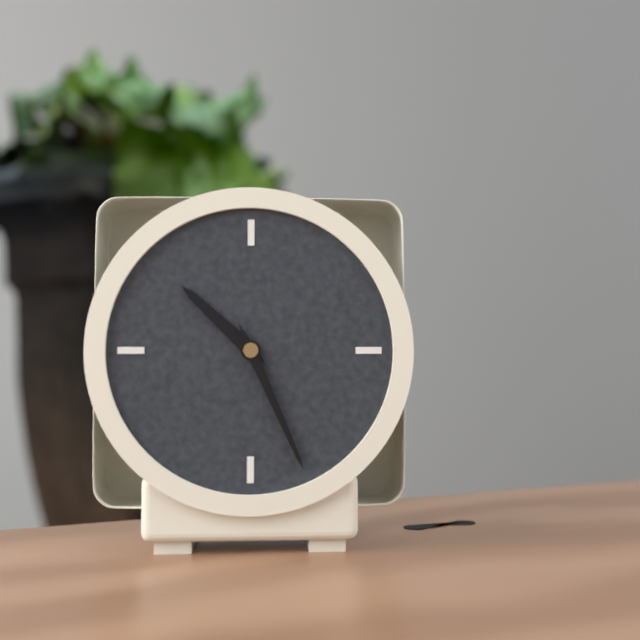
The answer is 10:26
